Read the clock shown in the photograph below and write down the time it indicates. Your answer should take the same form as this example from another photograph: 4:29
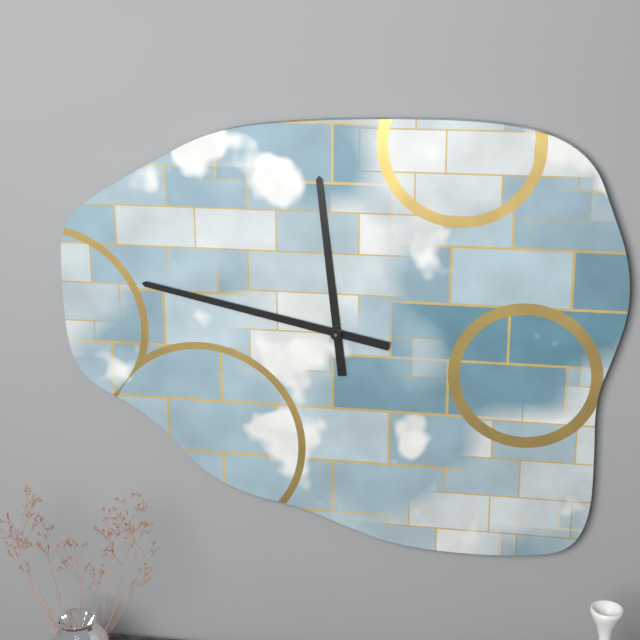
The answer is 11:47
